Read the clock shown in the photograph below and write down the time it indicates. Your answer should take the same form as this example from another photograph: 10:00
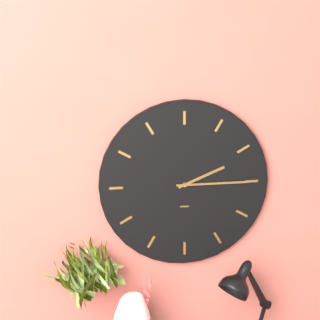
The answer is 2:15
